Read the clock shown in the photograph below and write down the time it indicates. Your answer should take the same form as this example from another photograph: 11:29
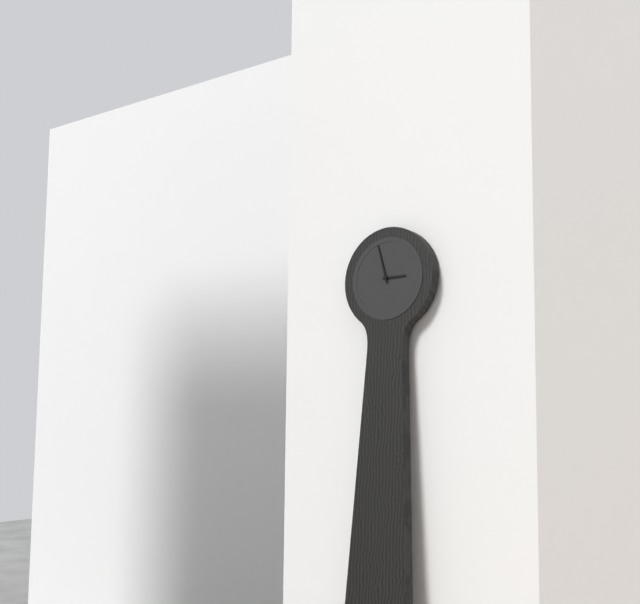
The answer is 2:57
